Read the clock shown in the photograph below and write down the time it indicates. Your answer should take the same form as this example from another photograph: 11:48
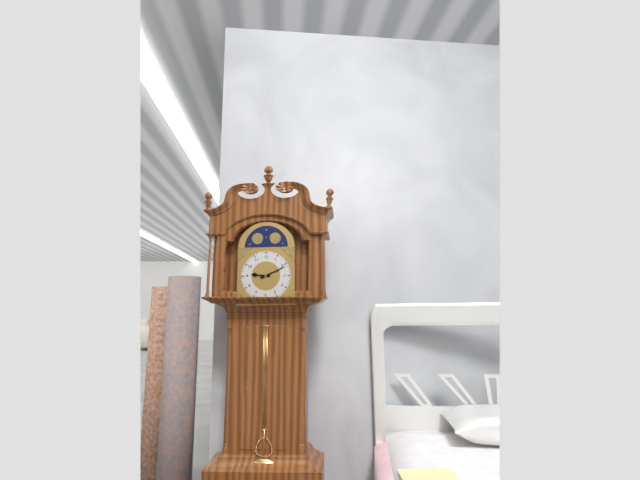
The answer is 9:11
